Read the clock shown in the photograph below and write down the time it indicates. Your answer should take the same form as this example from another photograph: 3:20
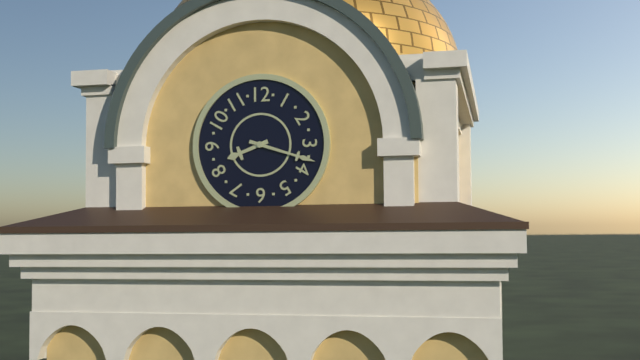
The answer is 8:18
